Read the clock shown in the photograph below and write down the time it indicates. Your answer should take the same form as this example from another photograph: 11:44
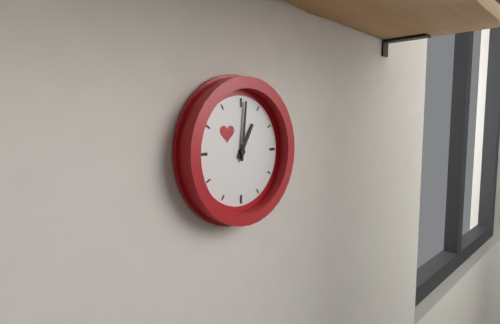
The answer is 1:01
